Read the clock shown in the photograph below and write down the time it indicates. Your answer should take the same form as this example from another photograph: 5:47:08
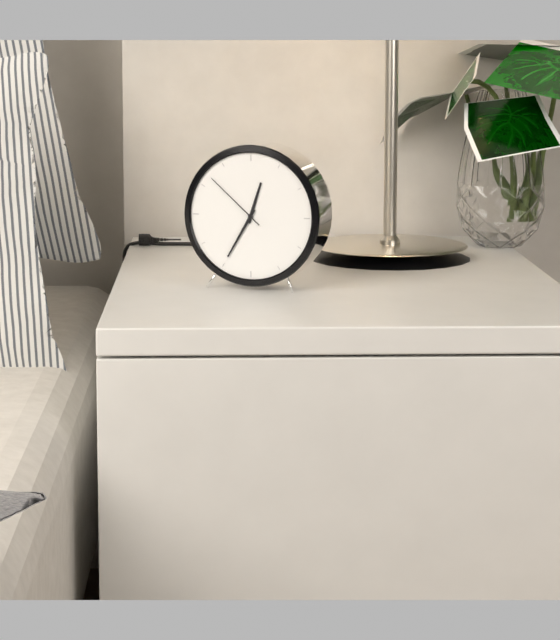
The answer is 12:35:52
